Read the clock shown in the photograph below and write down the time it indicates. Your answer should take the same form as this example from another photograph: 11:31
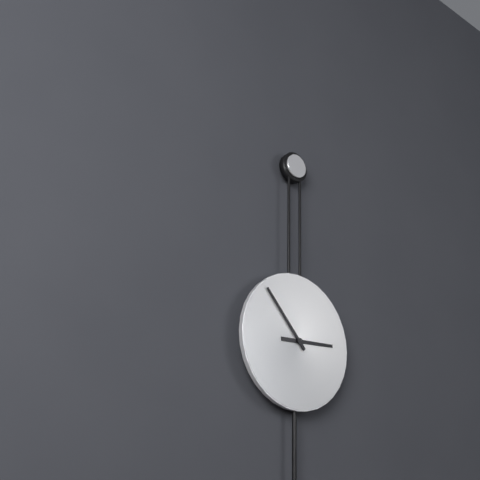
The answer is 2:53
